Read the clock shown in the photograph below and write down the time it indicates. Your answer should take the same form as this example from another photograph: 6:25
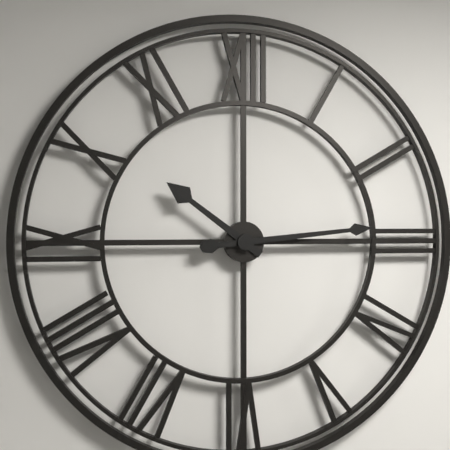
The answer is 10:14
